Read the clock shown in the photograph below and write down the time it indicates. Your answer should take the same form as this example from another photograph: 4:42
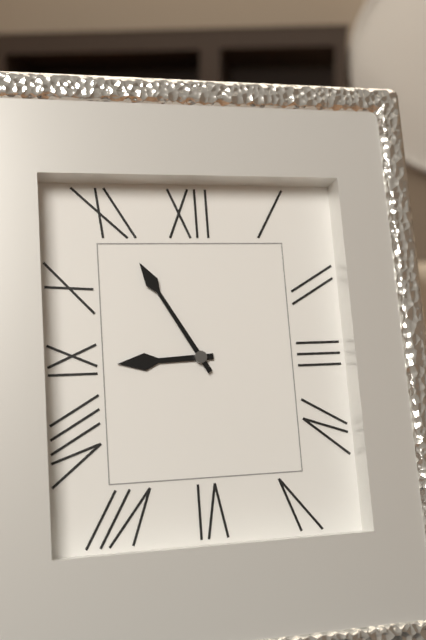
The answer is 8:55
